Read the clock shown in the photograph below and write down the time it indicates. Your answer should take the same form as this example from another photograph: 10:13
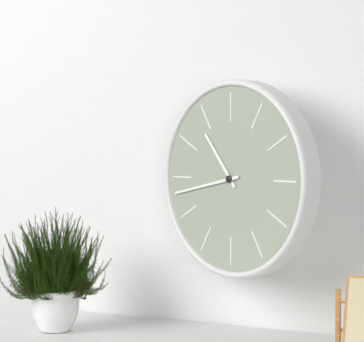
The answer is 10:43
